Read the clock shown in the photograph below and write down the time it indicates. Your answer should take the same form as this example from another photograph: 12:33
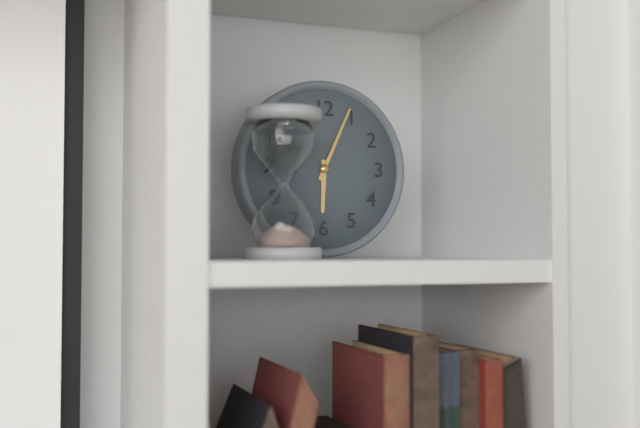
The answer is 6:04
